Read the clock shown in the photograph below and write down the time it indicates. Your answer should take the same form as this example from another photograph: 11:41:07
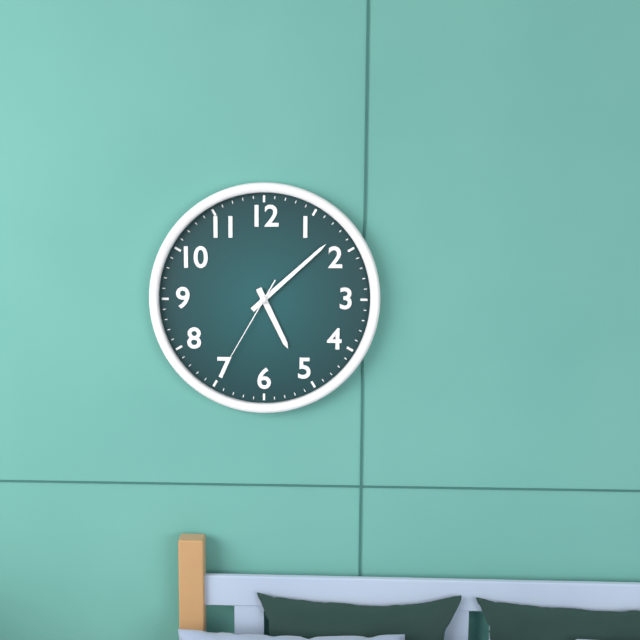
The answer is 5:08:35
